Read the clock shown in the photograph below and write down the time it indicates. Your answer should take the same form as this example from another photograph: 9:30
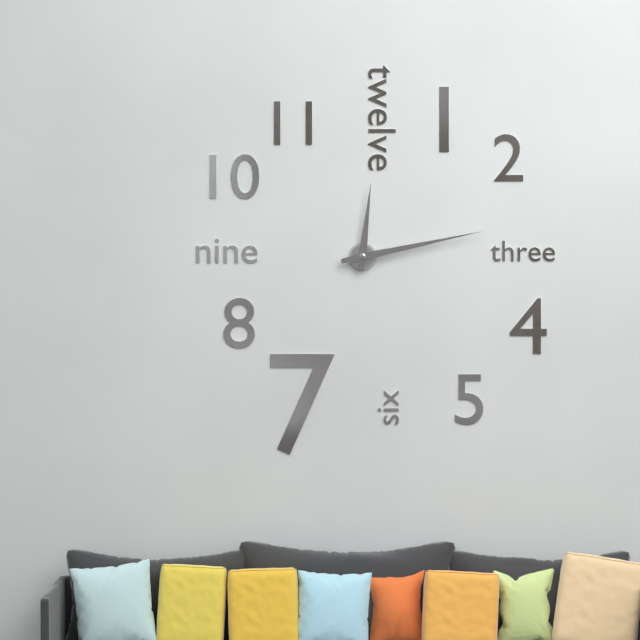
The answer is 12:13
